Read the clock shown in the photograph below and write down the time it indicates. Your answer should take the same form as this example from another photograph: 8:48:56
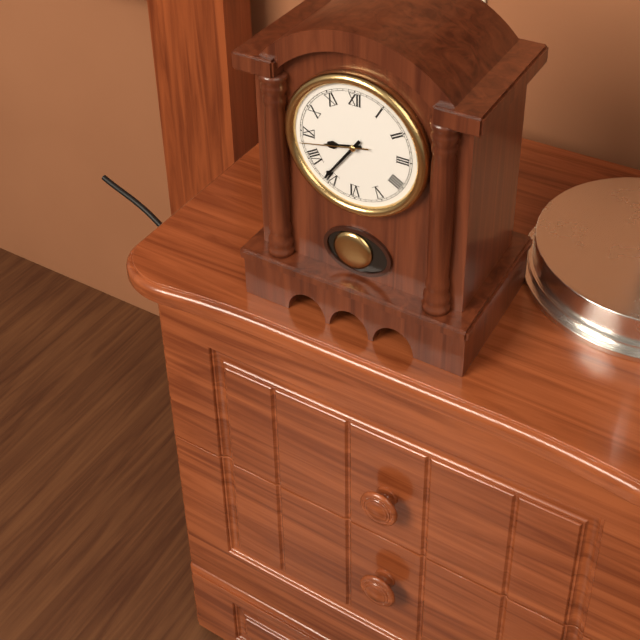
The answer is 8:36:43
